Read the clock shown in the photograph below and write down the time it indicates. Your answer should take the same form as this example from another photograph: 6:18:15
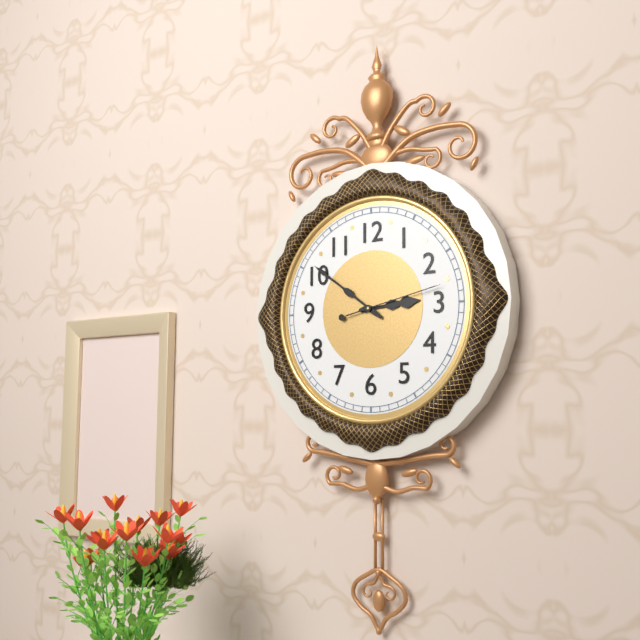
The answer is 2:51:13
